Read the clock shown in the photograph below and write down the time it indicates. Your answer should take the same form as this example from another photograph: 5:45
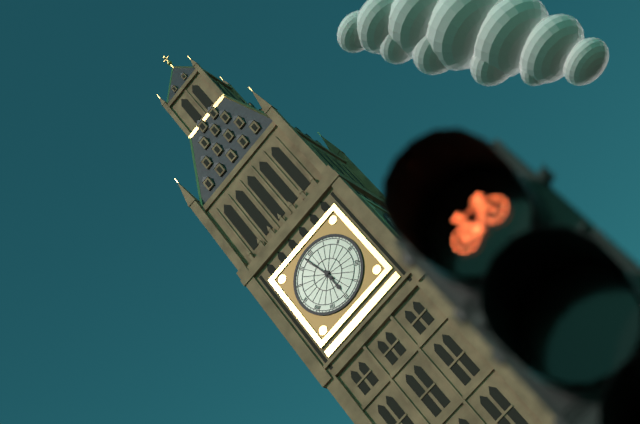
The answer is 5:58
